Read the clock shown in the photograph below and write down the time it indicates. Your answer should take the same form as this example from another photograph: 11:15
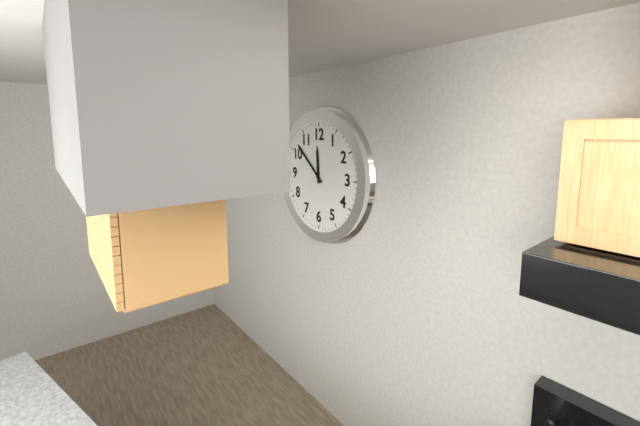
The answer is 11:52
